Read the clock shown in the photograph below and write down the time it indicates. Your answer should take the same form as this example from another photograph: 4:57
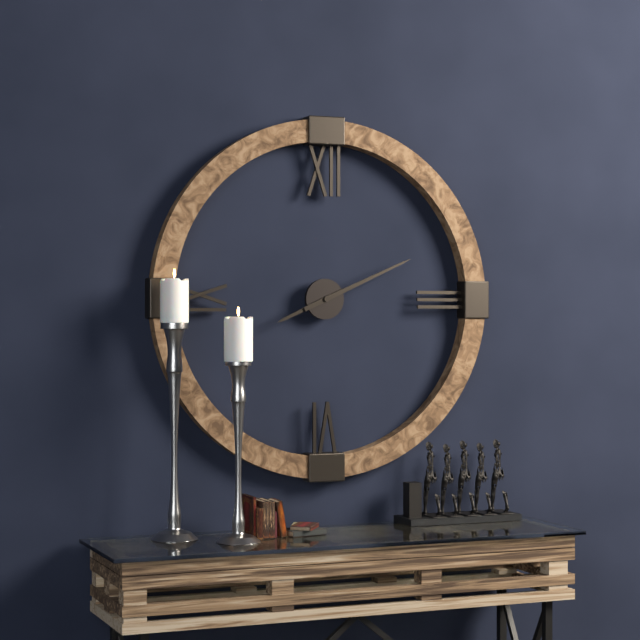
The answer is 8:11
